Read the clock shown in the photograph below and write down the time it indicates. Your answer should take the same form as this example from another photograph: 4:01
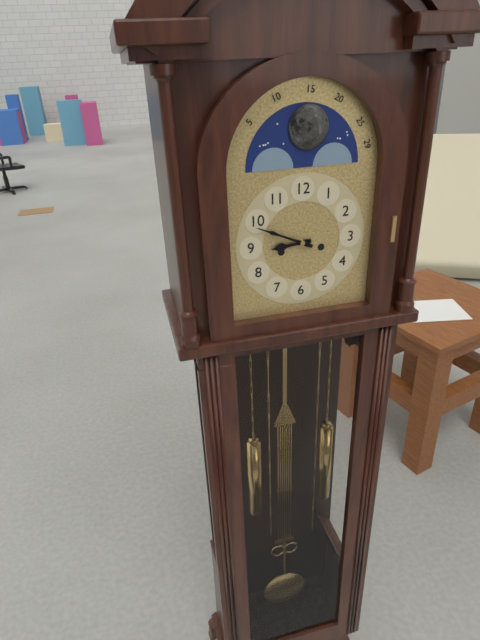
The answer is 8:49
